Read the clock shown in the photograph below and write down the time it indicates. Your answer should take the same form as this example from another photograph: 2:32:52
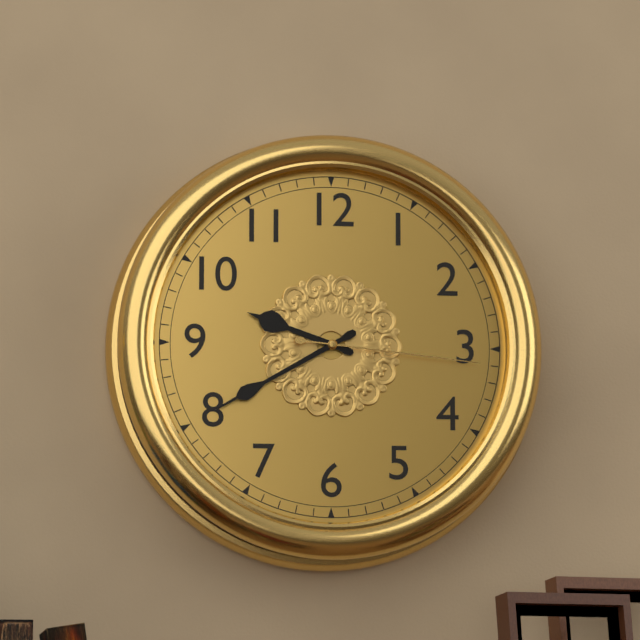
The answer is 9:40:16
